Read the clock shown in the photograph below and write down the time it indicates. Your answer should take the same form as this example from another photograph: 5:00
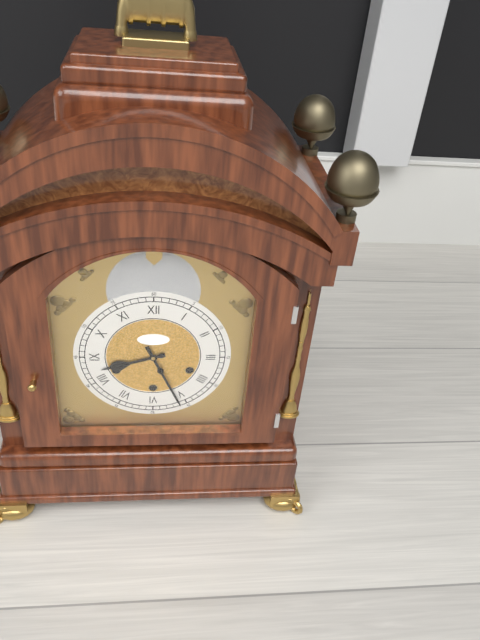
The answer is 8:26
